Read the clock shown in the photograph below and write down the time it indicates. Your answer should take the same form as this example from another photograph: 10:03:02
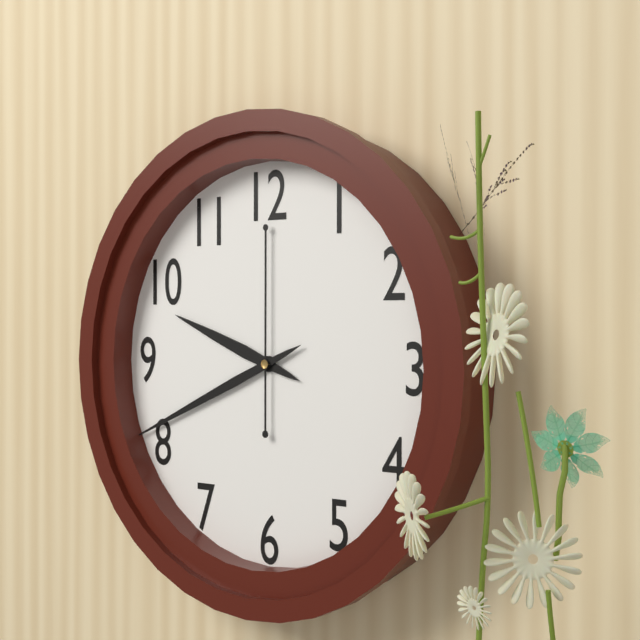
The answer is 9:41:00
